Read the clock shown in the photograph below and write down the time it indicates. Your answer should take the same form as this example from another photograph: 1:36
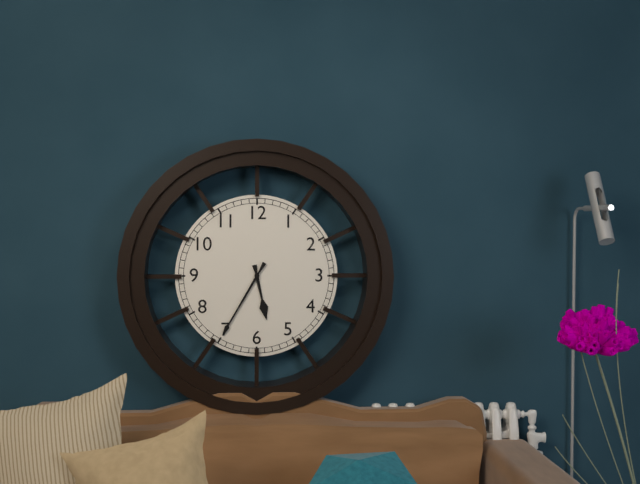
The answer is 5:35
